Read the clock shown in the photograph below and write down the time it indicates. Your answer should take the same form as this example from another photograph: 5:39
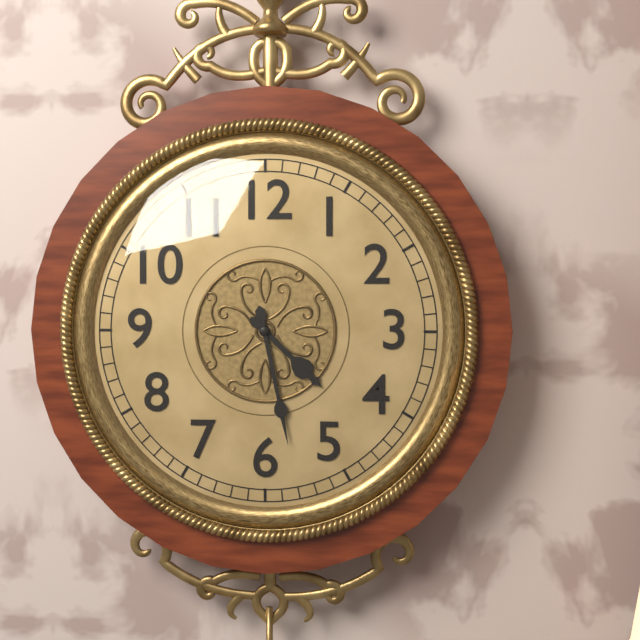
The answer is 4:28
